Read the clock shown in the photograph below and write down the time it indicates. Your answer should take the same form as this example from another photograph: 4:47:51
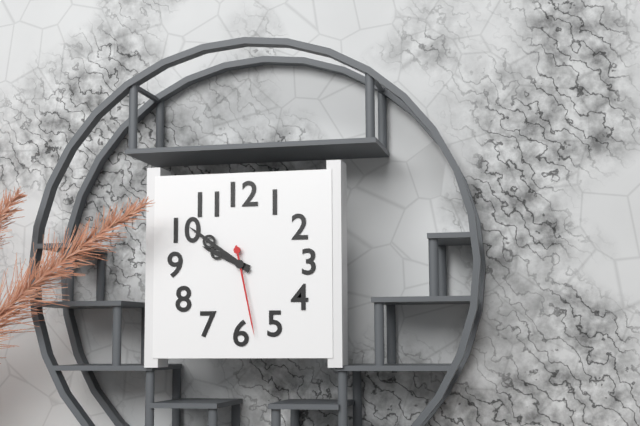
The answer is 9:51:28
